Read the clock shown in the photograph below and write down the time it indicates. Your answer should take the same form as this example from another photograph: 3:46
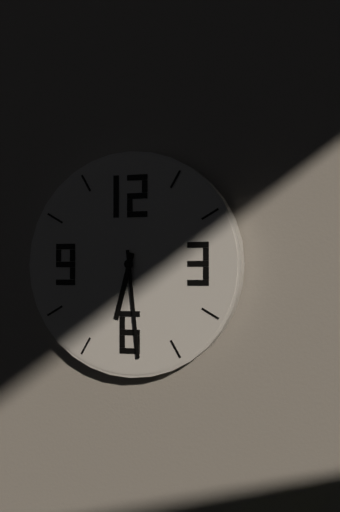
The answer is 6:29
